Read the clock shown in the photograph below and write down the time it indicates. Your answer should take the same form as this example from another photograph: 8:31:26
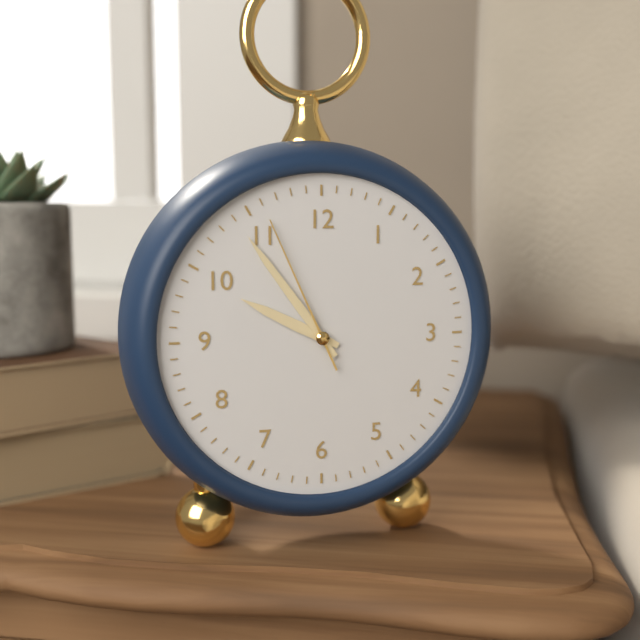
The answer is 9:54:56
